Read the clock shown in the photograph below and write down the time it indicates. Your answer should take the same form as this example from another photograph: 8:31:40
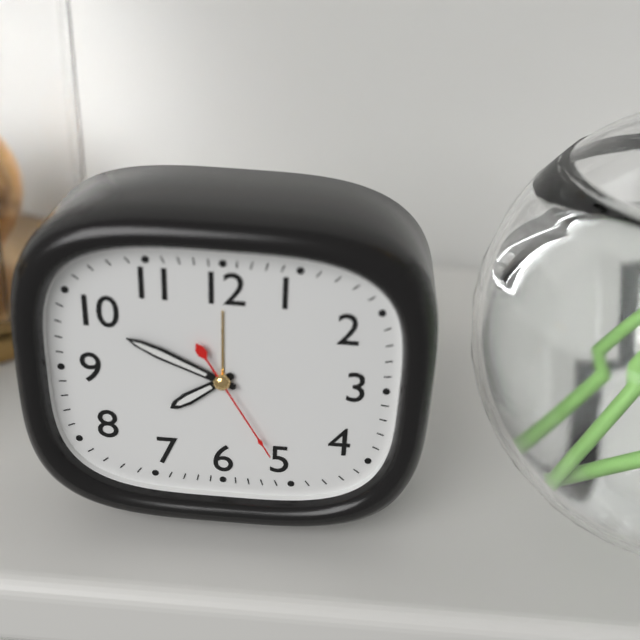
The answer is 7:49:25
